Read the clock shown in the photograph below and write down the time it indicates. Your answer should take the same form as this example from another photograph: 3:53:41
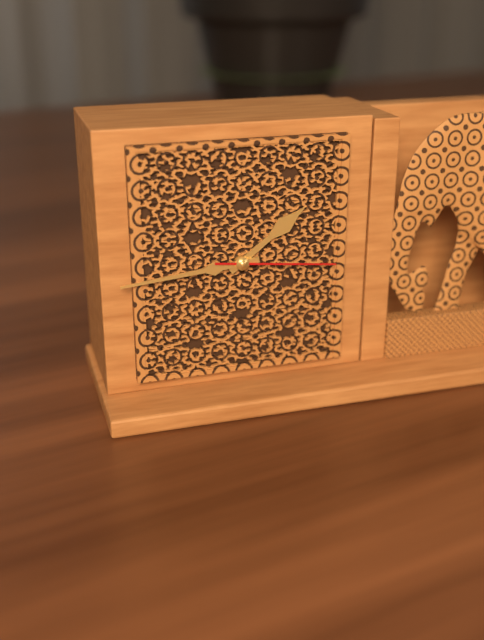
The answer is 1:44:16
